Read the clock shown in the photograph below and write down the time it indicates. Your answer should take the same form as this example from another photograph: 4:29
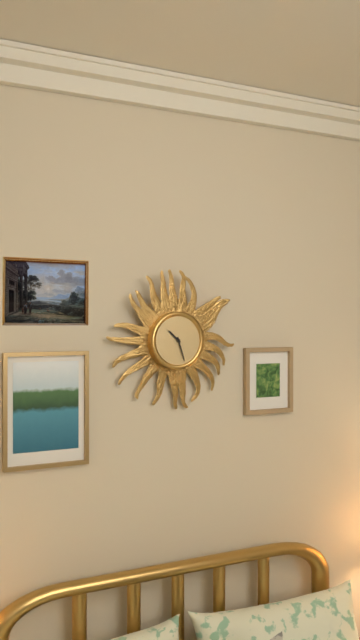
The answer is 10:27
